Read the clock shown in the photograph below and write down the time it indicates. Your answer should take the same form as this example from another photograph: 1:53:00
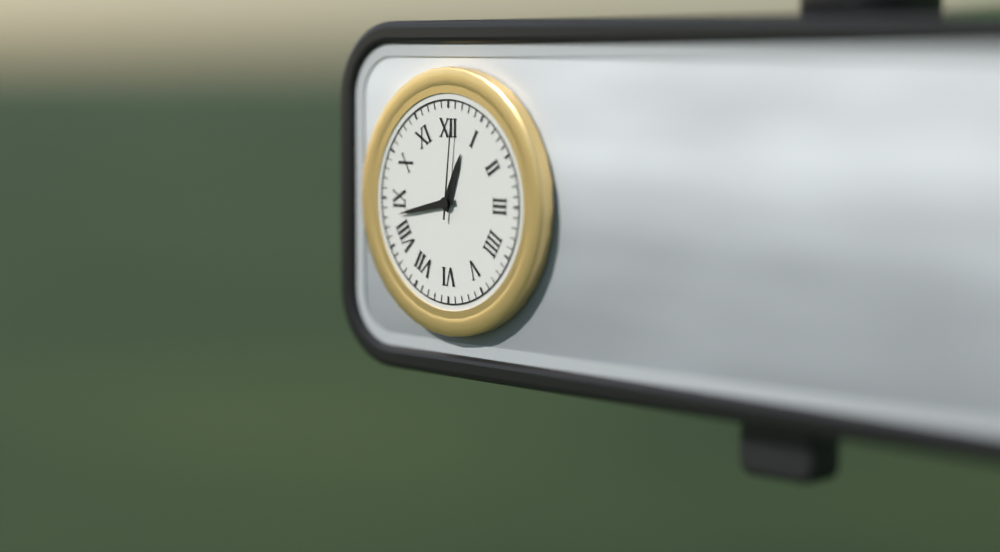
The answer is 12:43:01
